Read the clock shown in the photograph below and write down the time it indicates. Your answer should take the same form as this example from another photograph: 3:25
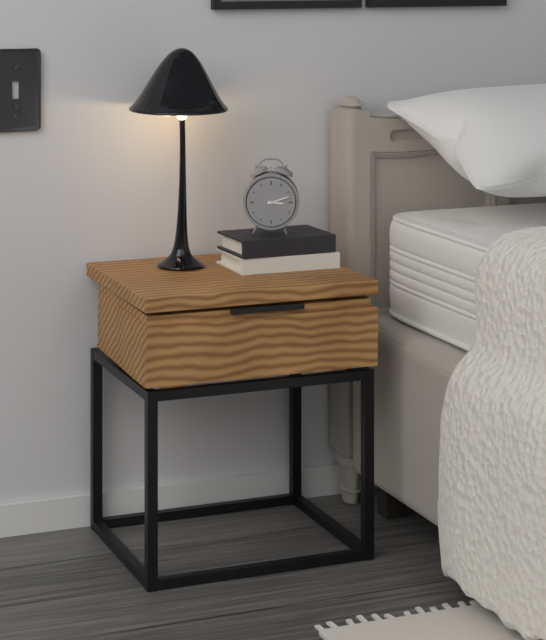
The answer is 3:12
